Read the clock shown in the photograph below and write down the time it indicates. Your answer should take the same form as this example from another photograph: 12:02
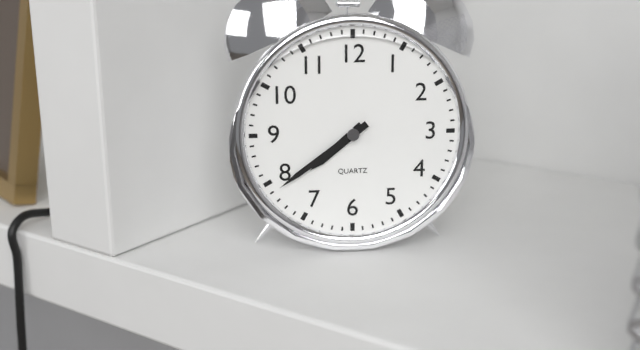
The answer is 7:39
